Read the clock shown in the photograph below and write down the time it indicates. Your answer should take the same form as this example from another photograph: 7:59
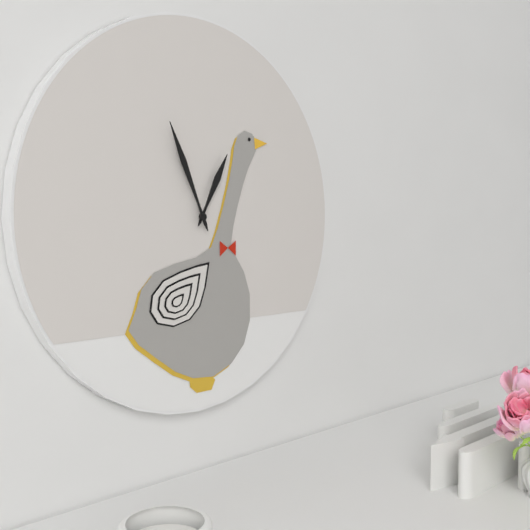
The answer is 12:56
